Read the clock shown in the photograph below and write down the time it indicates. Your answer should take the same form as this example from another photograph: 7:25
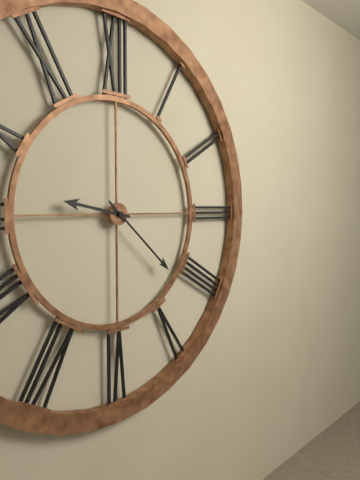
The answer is 9:22
